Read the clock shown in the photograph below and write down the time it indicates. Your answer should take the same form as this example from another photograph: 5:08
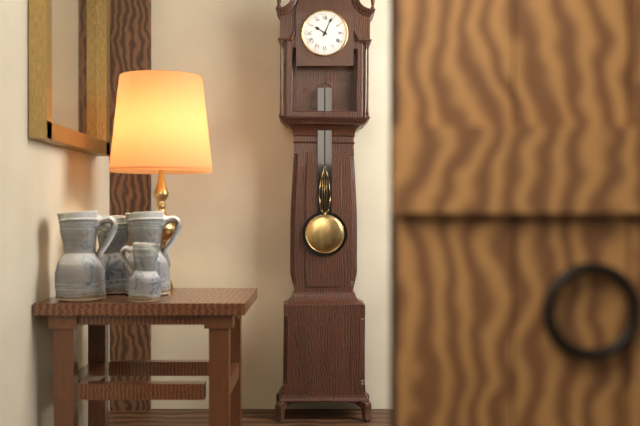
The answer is 10:04
